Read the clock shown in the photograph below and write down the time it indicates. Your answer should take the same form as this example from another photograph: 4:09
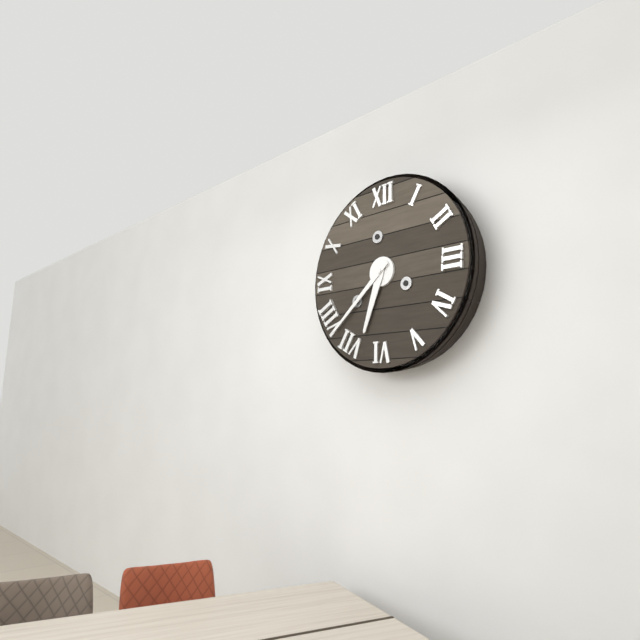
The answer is 6:38
